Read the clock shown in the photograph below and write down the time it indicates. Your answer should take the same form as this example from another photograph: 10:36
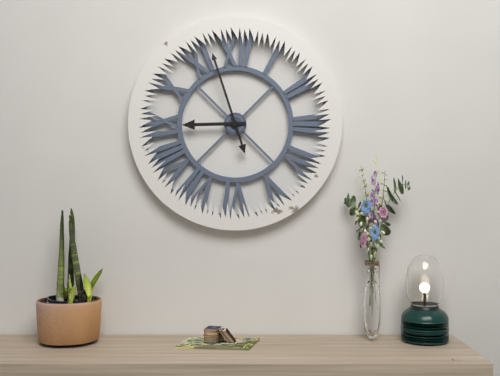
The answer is 8:57
